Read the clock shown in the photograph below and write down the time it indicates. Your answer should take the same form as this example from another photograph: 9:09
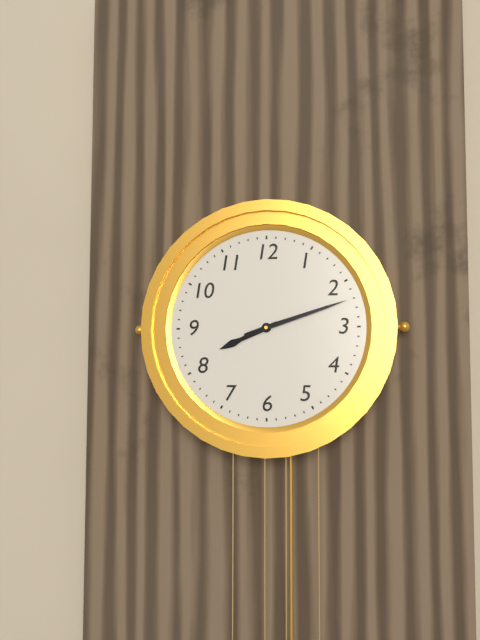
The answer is 8:12
